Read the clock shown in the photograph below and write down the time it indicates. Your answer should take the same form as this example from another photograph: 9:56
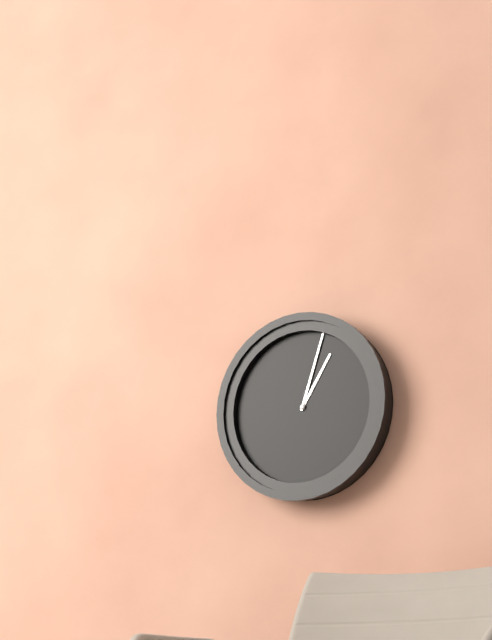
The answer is 1:03
